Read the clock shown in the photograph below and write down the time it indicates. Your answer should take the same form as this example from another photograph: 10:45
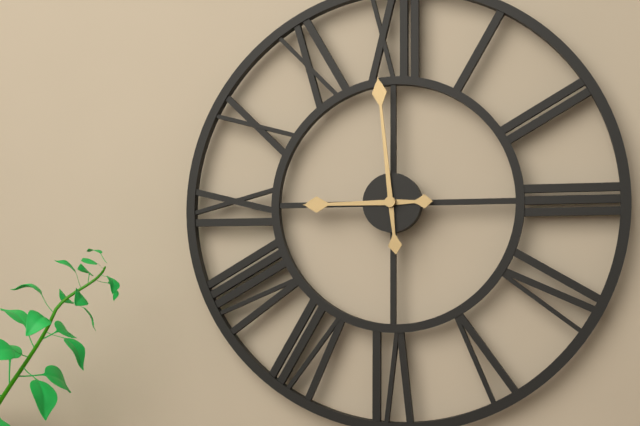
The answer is 8:59
